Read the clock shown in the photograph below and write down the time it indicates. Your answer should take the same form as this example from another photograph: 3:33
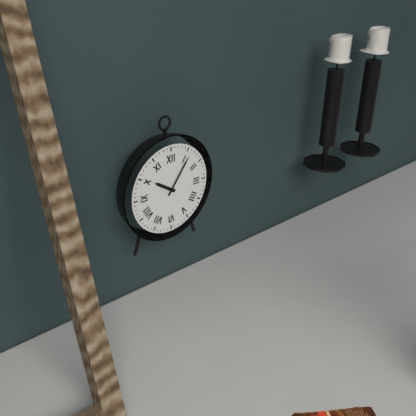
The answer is 10:06
